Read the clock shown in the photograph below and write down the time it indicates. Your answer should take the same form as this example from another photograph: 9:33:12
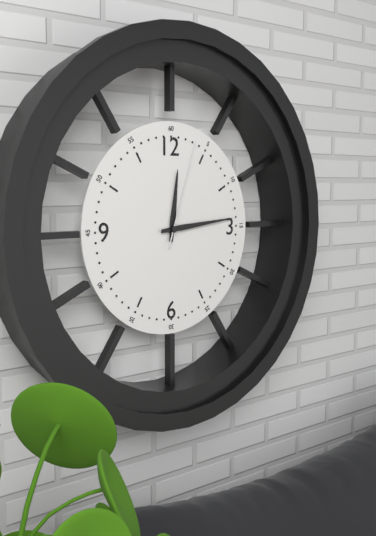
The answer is 12:14:03
